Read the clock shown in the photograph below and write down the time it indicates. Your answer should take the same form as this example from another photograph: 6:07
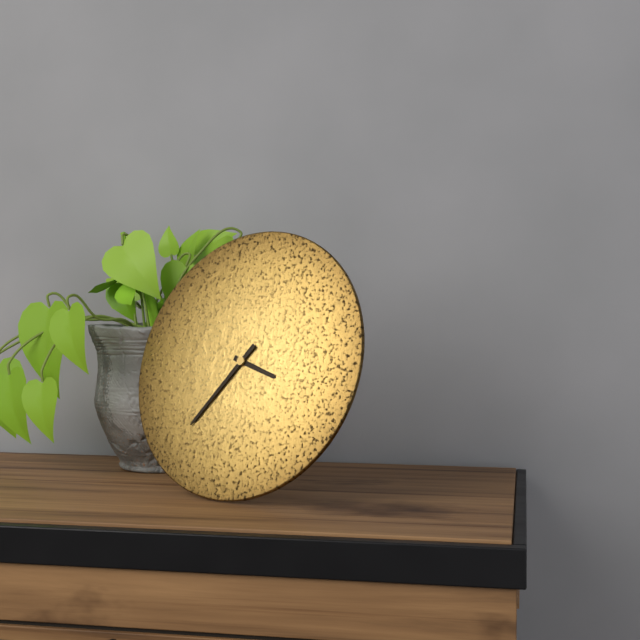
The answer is 3:36
